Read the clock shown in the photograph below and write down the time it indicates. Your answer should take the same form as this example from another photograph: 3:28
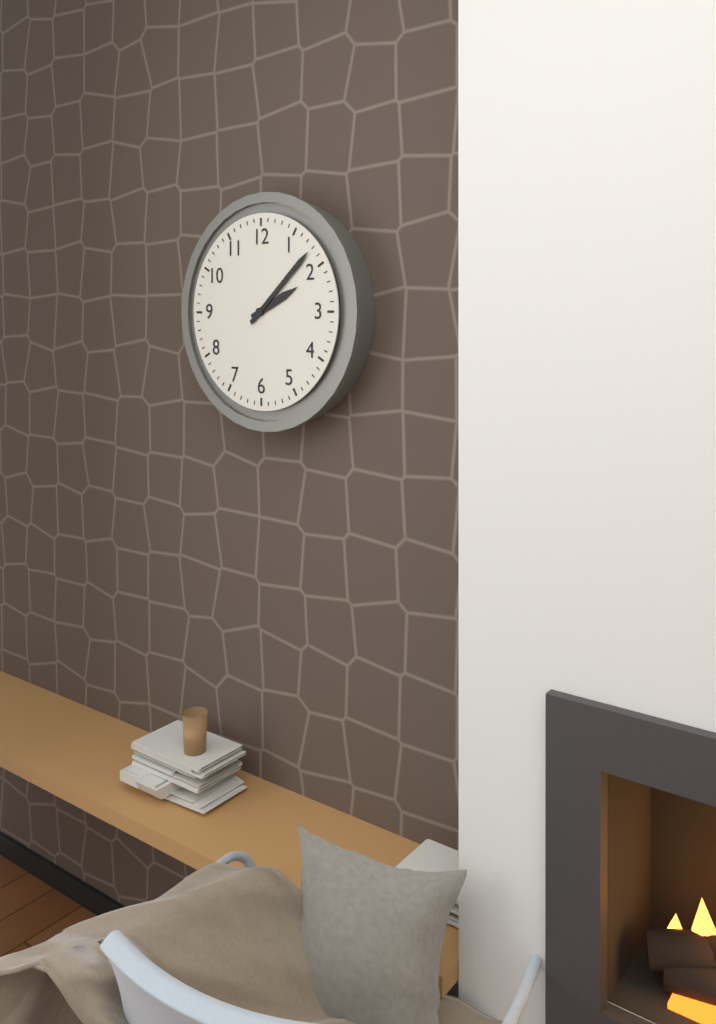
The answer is 2:08
